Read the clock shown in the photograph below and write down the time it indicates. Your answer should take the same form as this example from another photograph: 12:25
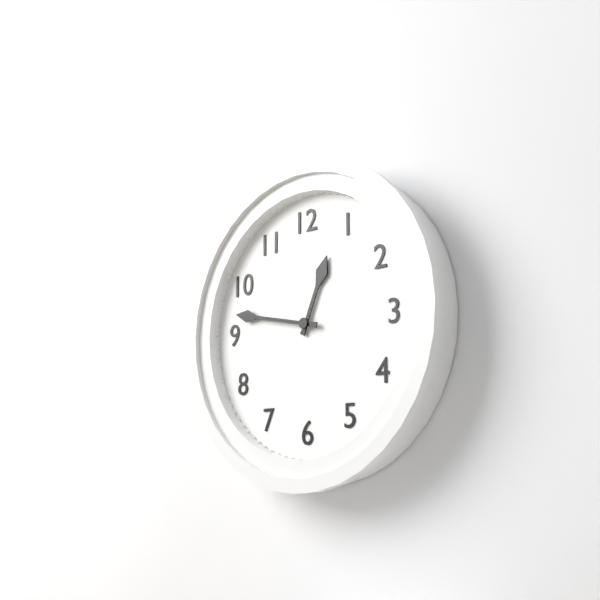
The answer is 12:47
